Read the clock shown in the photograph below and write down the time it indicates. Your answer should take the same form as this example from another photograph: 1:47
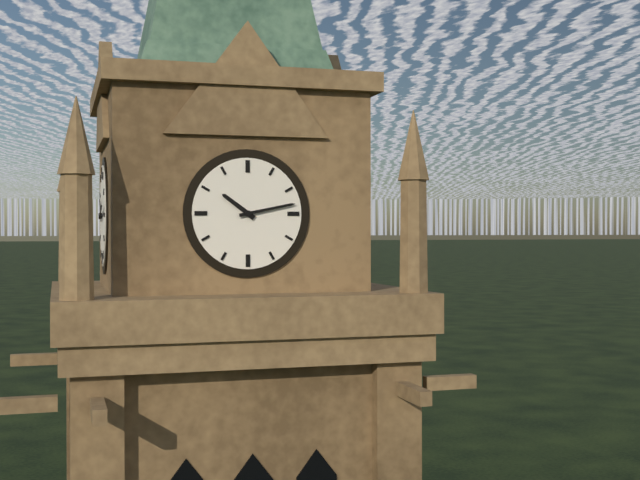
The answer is 10:13
